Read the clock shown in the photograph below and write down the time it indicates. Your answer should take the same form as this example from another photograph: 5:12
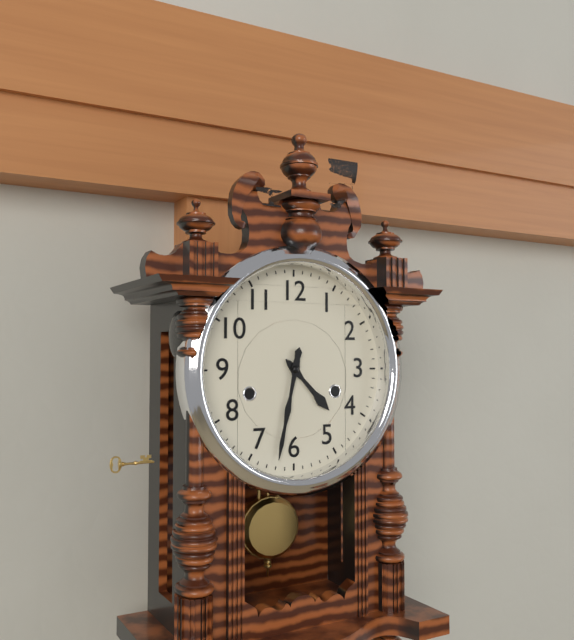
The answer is 4:32
